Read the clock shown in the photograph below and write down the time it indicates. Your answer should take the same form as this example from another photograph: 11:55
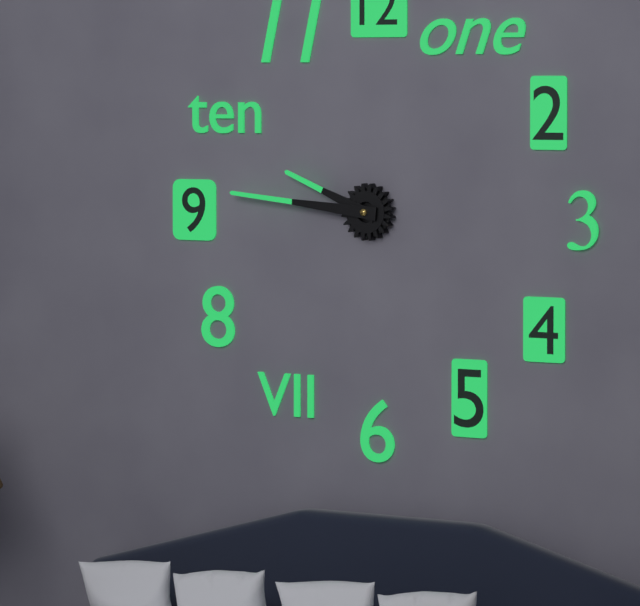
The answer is 9:46
